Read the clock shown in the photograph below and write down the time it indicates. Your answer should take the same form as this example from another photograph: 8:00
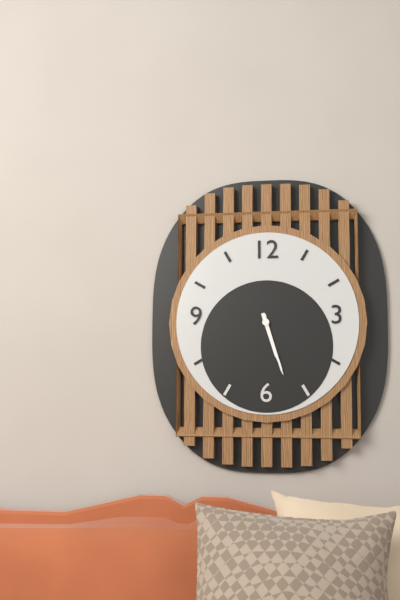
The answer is 5:27
